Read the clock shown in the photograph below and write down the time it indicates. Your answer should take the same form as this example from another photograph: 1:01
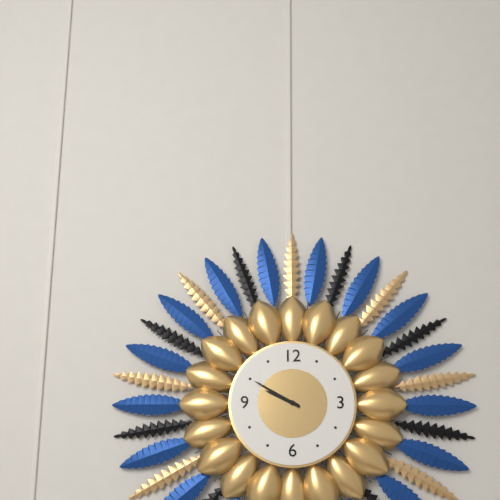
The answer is 9:50
